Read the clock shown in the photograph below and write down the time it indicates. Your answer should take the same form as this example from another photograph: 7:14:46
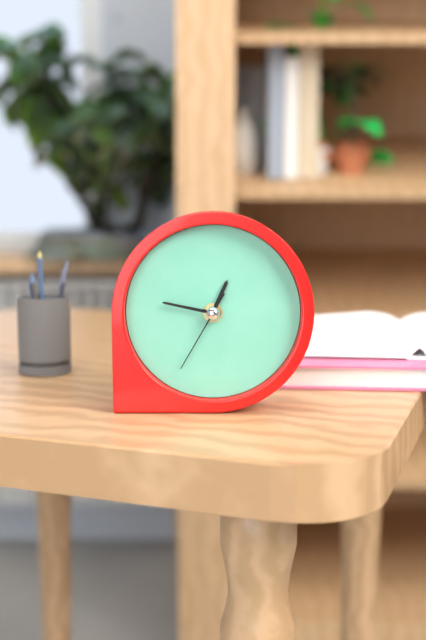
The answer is 12:47:35
